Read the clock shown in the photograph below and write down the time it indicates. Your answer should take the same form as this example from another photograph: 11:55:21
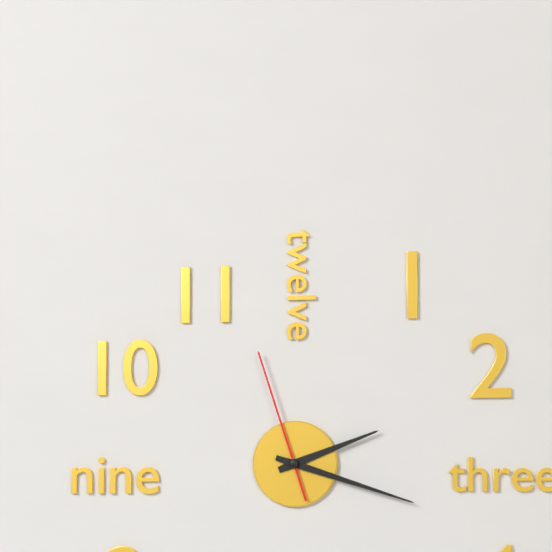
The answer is 2:18:57
